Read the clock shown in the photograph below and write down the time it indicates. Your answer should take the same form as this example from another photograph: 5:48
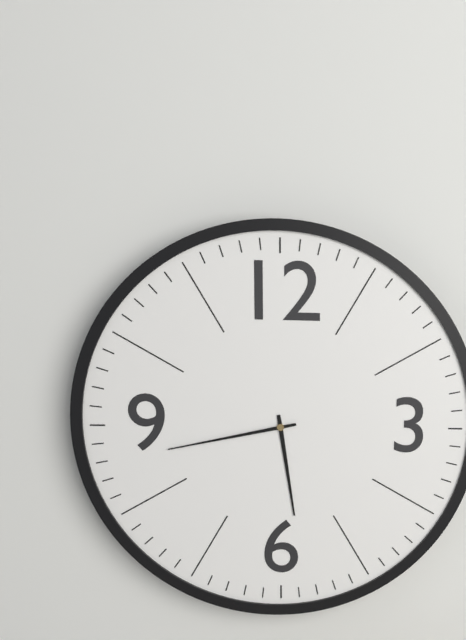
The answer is 5:43
